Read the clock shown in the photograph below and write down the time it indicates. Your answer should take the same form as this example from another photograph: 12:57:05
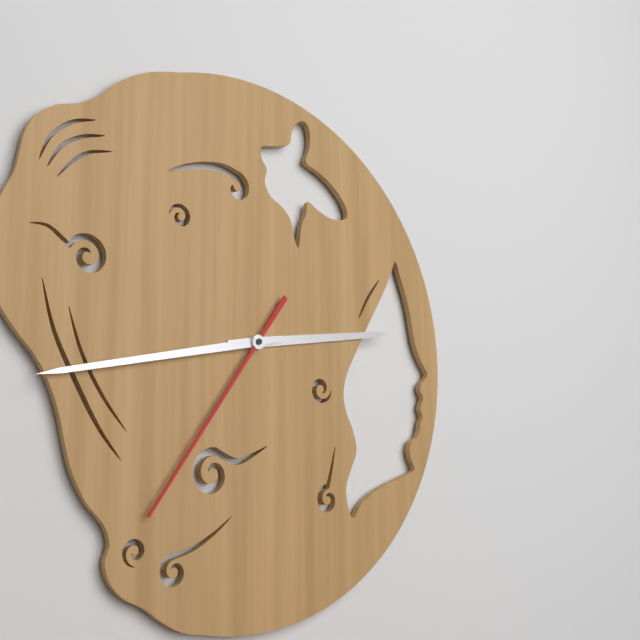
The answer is 2:43:36
